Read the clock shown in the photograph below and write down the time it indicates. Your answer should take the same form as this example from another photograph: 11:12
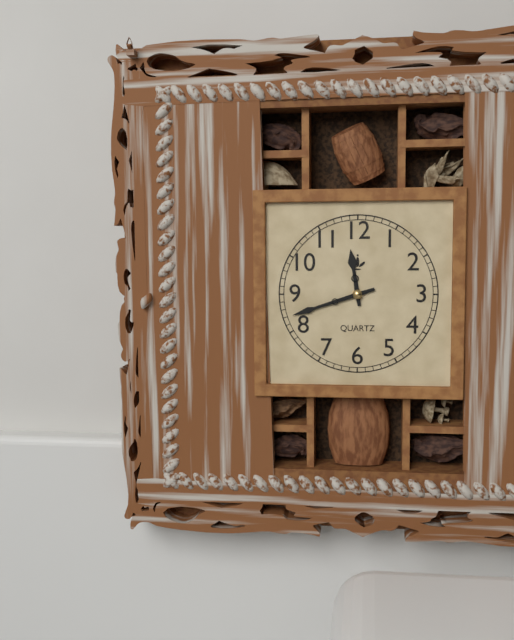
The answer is 11:42
